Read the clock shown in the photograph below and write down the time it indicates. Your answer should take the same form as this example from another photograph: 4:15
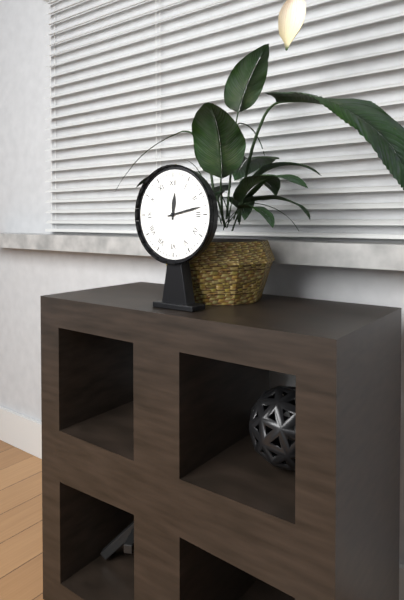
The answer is 12:13
